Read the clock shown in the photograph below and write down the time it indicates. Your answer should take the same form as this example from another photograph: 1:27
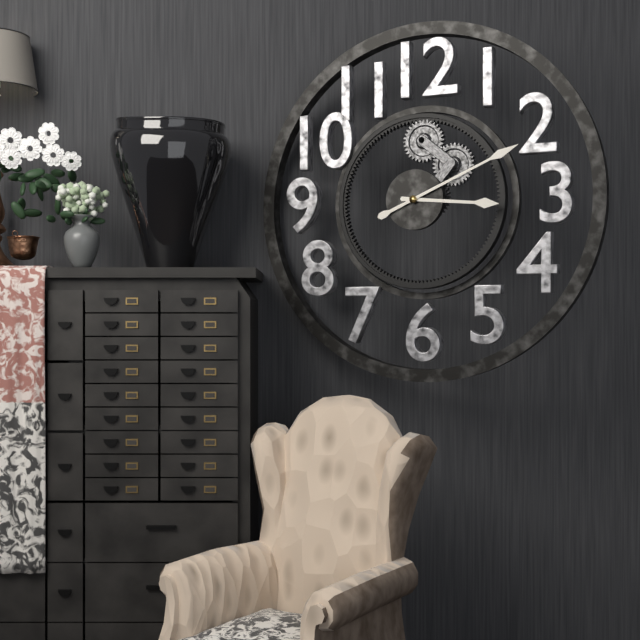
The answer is 3:11
